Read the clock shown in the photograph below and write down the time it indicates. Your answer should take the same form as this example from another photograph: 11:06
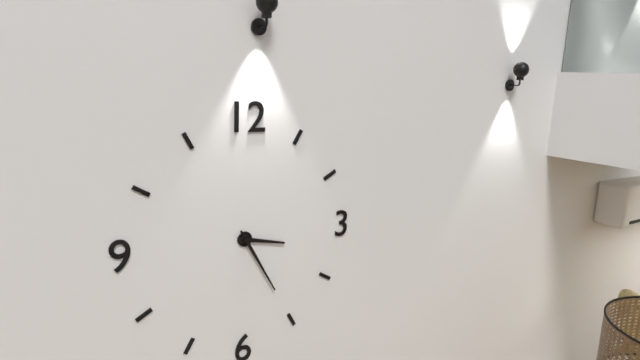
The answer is 3:25
